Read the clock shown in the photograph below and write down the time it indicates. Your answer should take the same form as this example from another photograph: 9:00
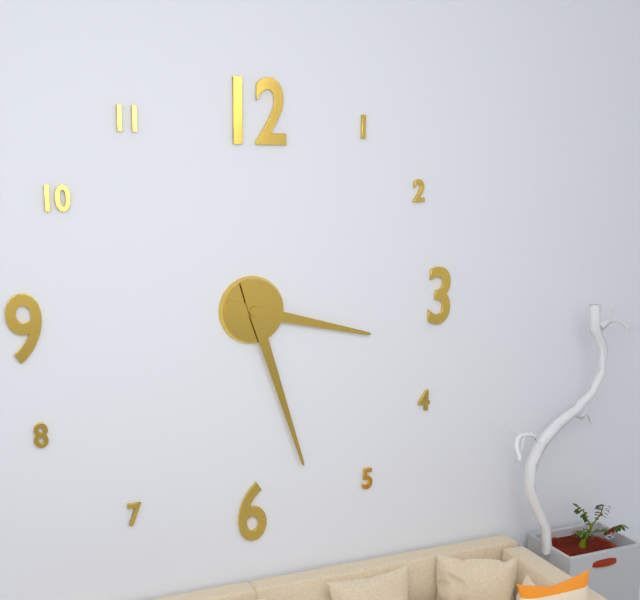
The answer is 3:27
